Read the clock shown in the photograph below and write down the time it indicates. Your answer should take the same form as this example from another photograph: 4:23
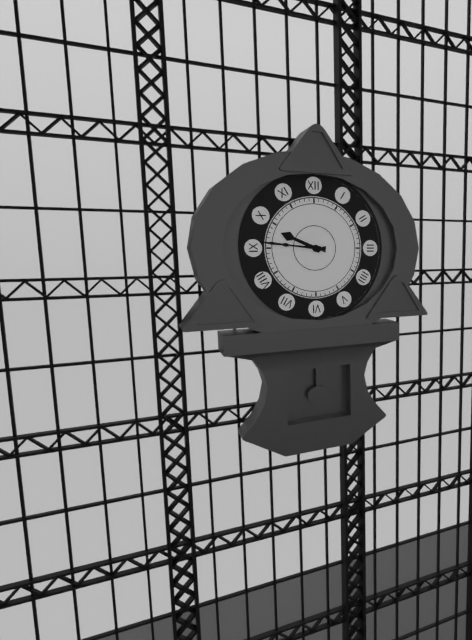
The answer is 9:46
